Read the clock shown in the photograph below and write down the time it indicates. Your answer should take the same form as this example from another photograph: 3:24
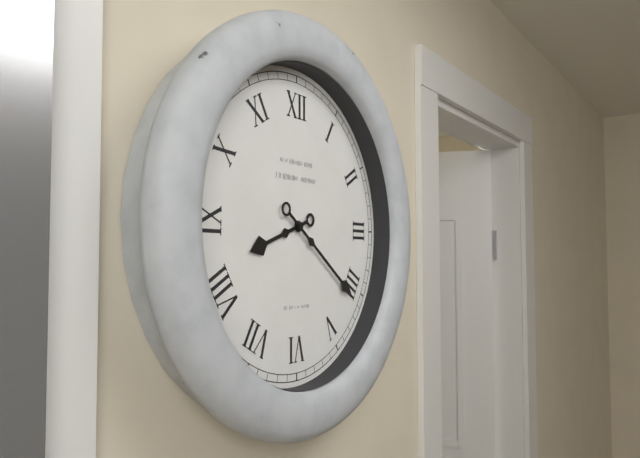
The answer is 8:21
